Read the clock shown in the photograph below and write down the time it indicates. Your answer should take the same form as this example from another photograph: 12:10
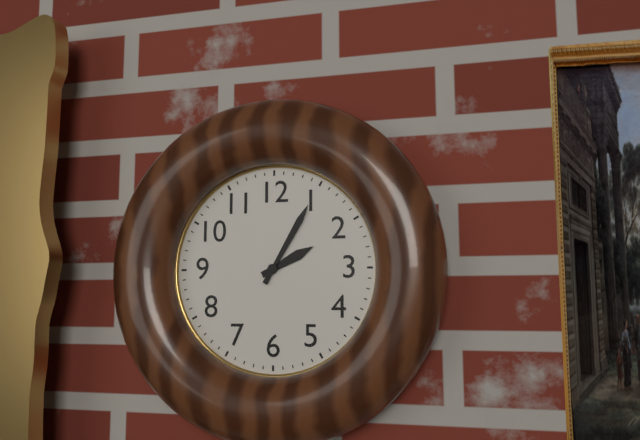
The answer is 2:05
